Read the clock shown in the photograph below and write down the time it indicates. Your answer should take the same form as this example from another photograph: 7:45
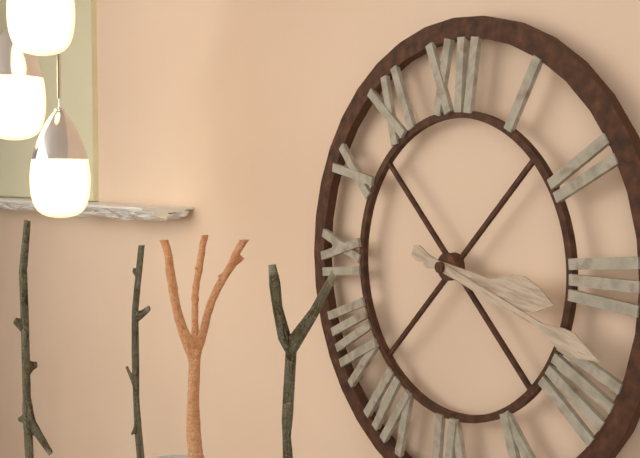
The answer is 3:18
